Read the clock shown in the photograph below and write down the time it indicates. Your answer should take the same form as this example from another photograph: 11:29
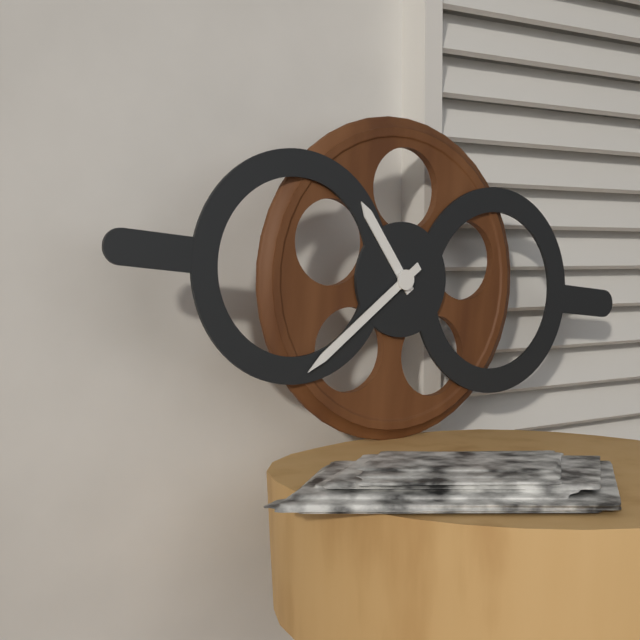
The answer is 10:38
